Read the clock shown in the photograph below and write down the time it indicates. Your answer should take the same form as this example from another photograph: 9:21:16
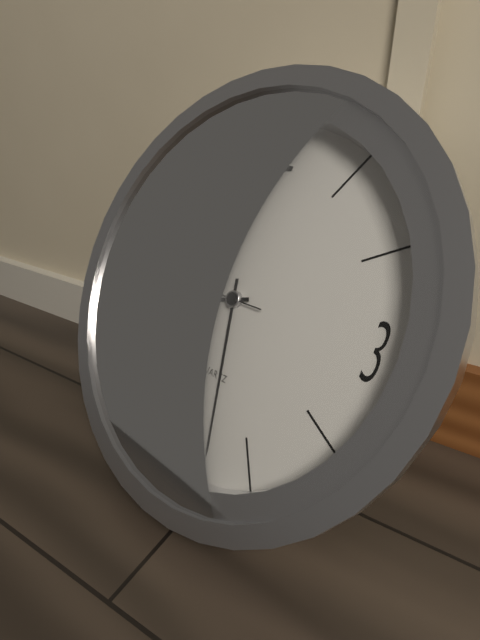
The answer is 8:28:45
